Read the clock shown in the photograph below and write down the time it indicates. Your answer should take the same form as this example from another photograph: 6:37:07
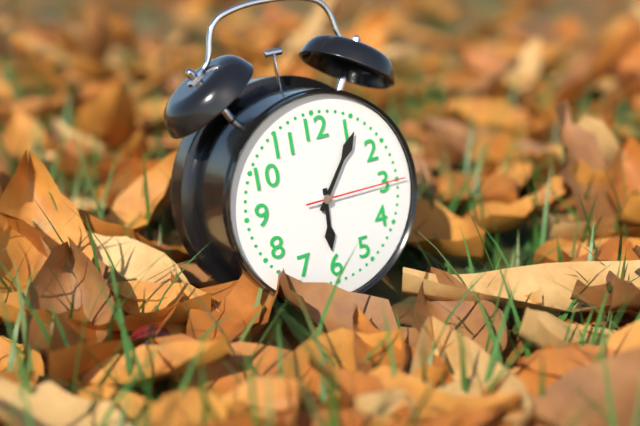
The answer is 6:06:15
